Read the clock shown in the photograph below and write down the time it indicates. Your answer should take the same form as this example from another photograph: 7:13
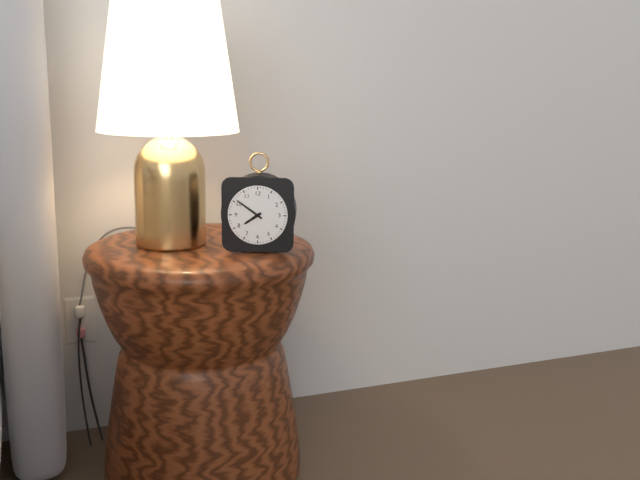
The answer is 7:51
